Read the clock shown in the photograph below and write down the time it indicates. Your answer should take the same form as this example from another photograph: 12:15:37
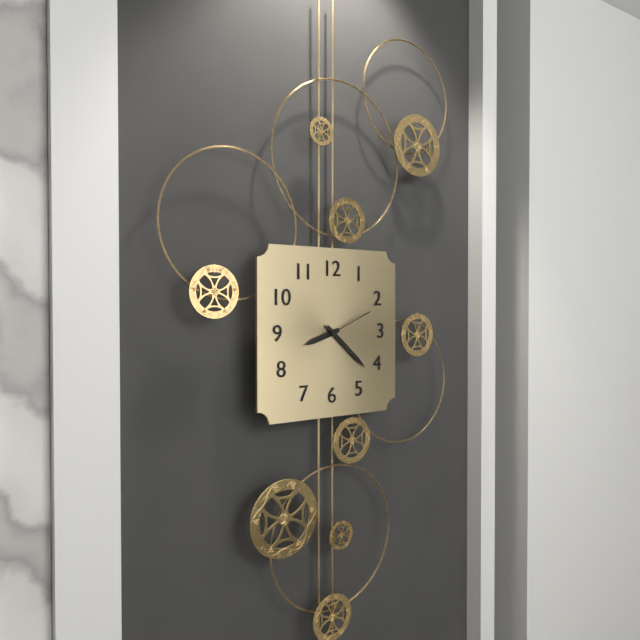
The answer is 8:22:11
